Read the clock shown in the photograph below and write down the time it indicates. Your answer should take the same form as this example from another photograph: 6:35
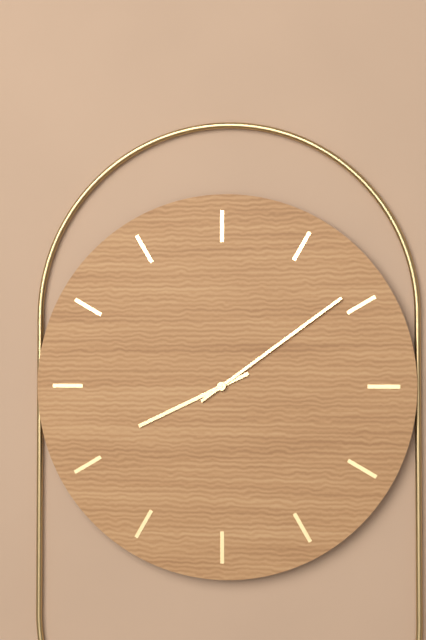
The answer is 8:09
